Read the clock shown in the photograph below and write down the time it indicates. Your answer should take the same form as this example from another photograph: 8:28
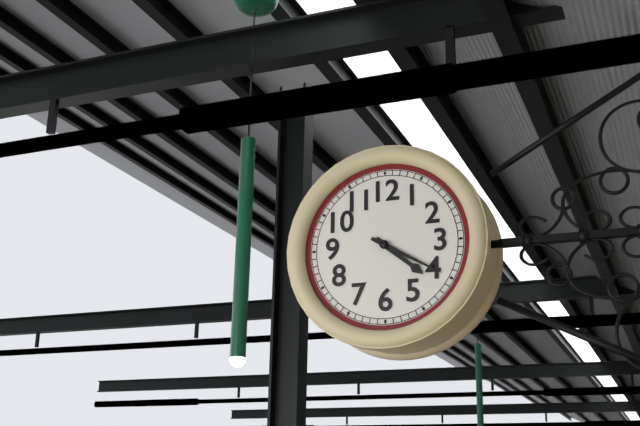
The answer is 4:20
